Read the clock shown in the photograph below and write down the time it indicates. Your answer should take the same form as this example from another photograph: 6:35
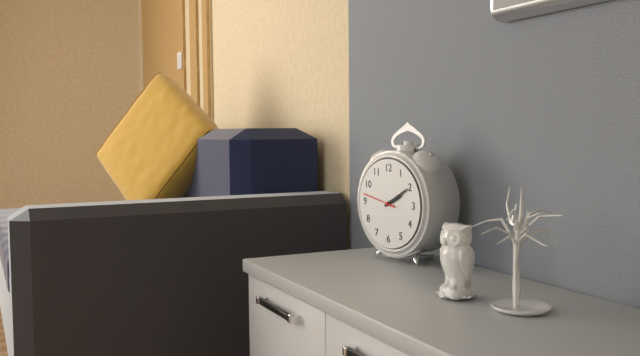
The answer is 2:10
